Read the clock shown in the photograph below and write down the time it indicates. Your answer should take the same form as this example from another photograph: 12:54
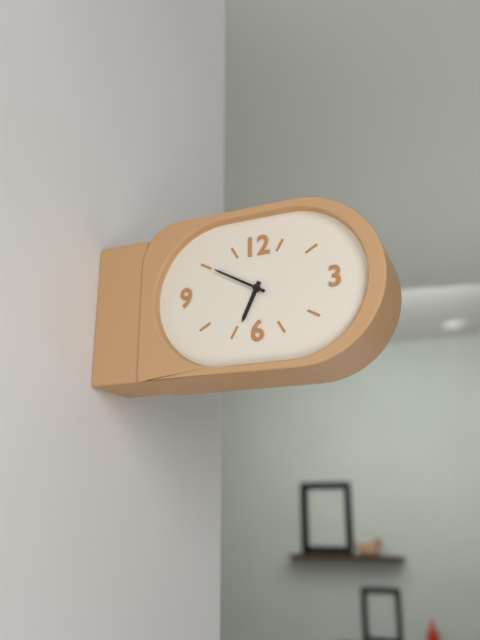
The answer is 6:50
